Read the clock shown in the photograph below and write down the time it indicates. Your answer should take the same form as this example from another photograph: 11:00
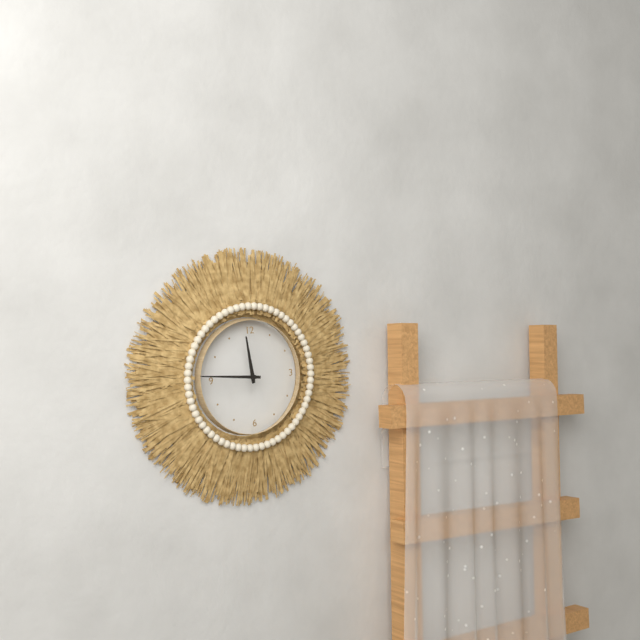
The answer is 11:46
